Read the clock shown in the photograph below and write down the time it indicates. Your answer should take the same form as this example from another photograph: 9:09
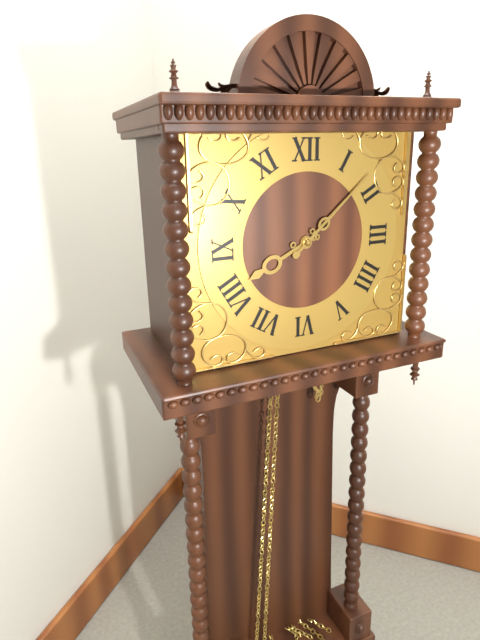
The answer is 8:08
